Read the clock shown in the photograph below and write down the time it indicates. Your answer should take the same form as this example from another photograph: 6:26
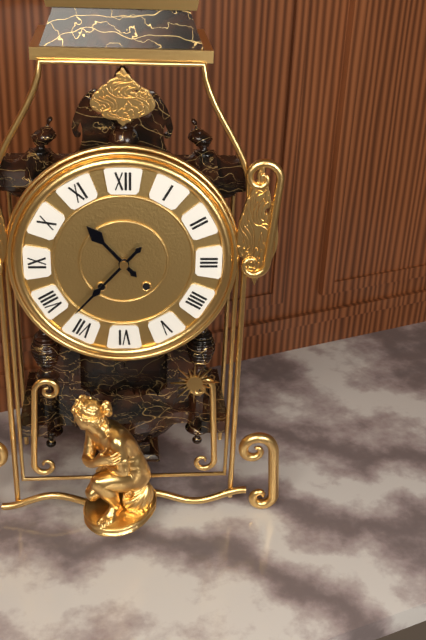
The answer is 10:37
